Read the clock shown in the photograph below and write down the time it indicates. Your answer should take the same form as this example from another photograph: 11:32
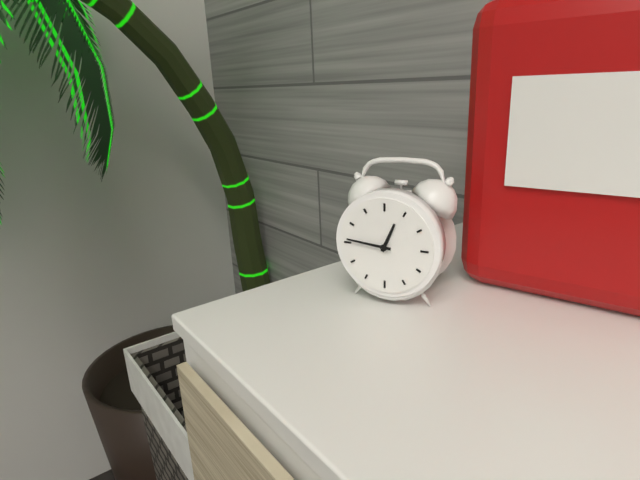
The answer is 12:46
